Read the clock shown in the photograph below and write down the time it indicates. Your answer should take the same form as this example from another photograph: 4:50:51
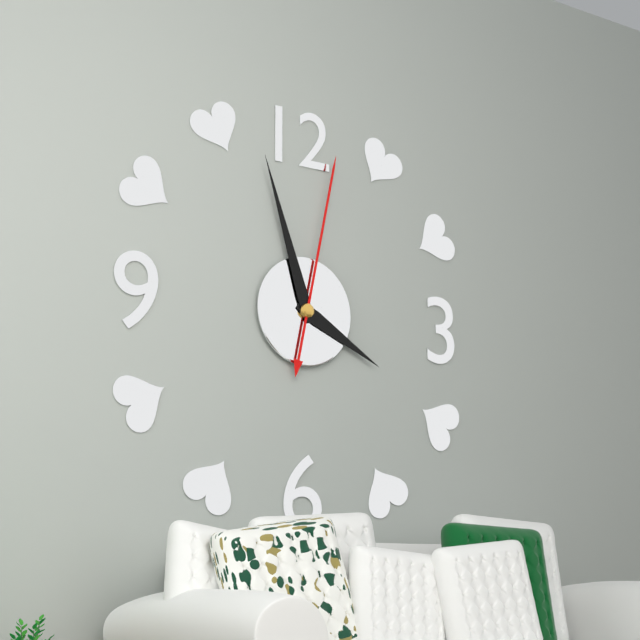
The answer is 3:57:02
